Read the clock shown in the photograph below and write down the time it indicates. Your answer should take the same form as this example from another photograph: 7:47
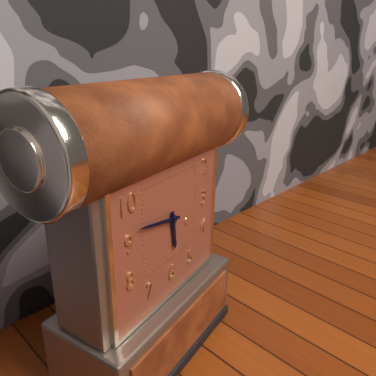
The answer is 5:47
